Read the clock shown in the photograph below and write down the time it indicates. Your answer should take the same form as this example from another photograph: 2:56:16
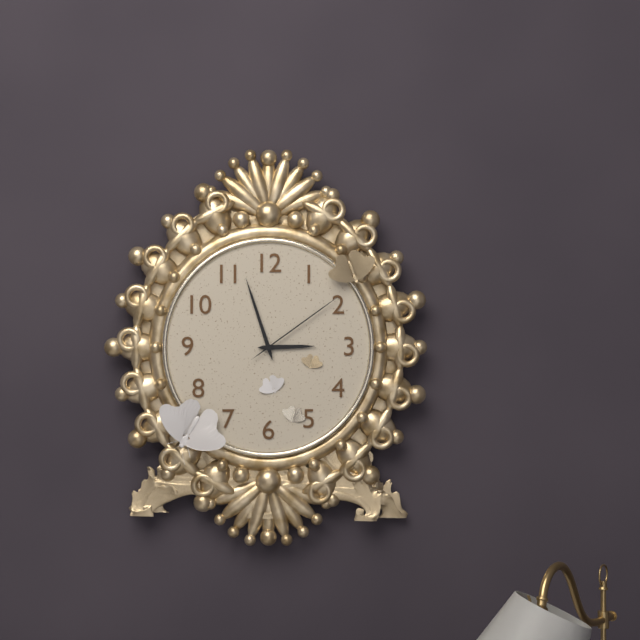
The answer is 2:57:09
